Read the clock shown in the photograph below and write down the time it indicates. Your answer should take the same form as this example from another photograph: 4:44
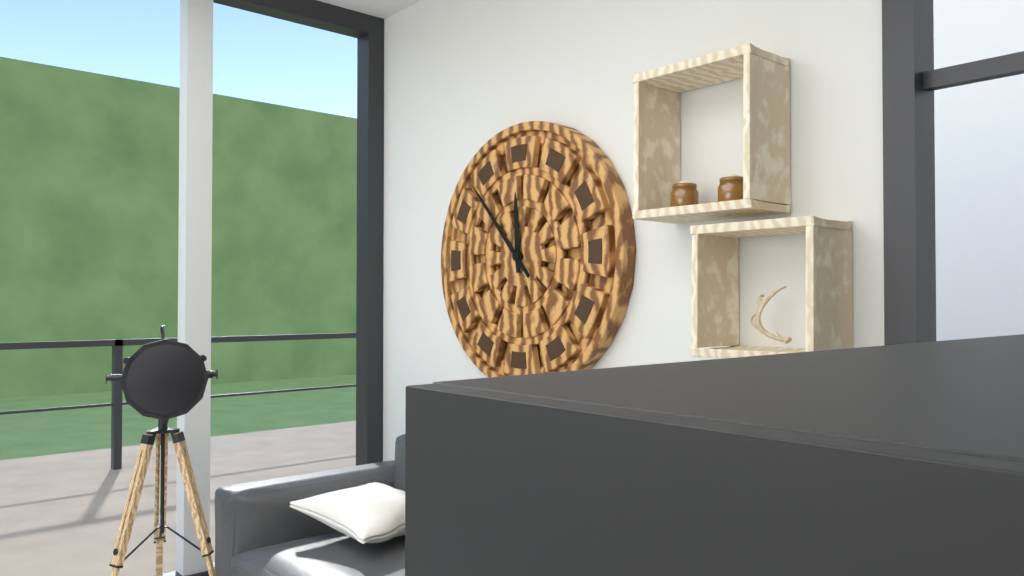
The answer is 11:53
